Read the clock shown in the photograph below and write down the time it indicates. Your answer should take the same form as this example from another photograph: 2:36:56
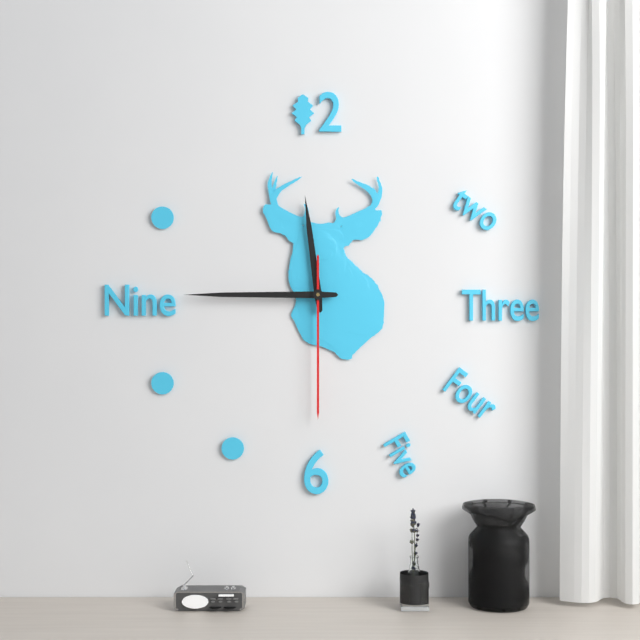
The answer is 11:45:30
